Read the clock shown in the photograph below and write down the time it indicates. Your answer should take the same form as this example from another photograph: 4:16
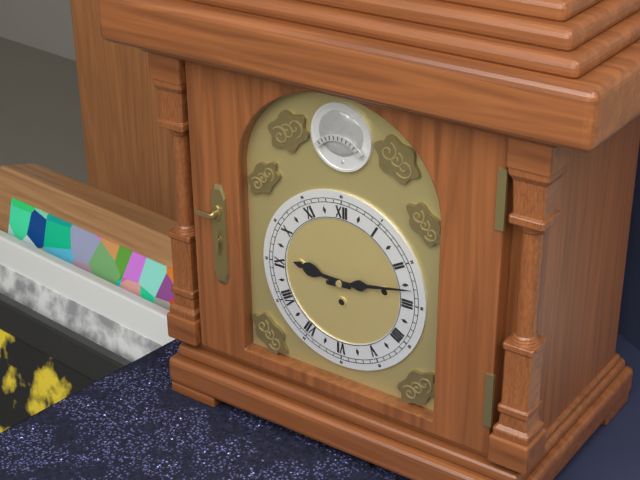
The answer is 9:13
